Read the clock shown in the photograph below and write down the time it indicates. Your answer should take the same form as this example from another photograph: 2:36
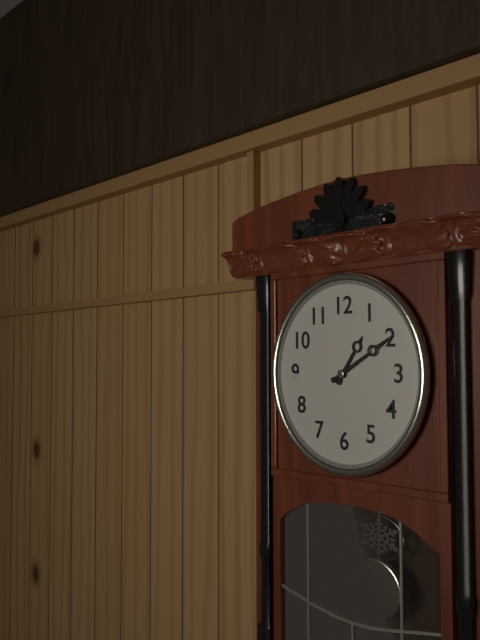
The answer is 1:10
